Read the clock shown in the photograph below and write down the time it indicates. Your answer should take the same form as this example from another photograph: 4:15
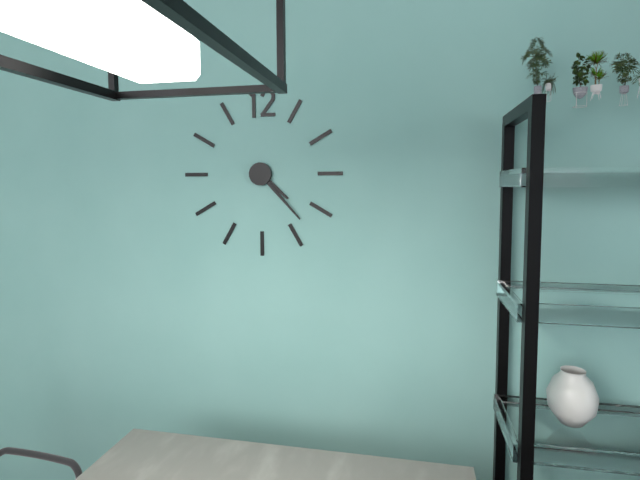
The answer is 4:23
